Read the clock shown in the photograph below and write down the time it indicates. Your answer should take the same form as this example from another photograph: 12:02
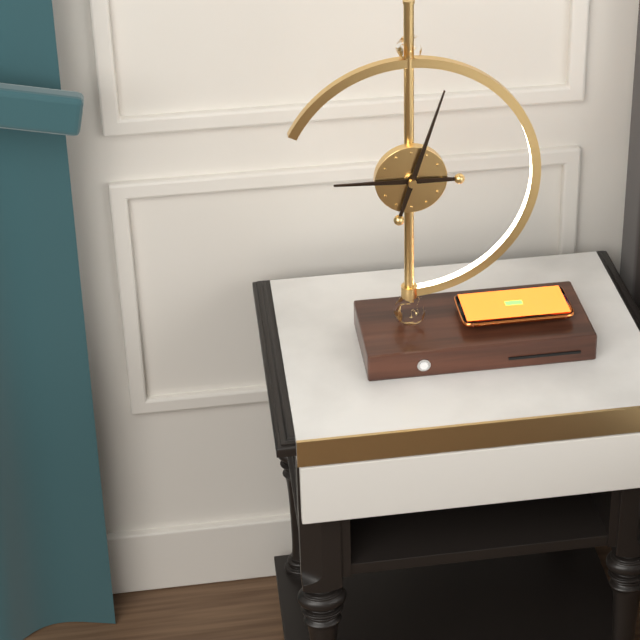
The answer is 9:03
